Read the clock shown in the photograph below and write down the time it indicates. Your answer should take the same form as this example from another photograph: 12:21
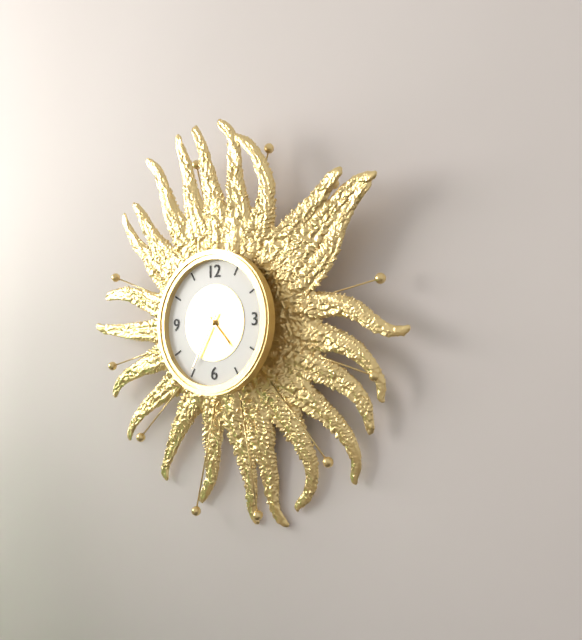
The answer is 4:35
